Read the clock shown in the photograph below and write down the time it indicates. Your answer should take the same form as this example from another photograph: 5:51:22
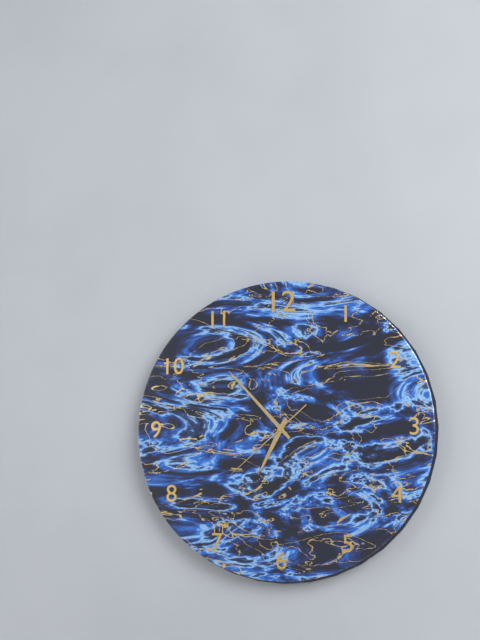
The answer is 6:53:38
